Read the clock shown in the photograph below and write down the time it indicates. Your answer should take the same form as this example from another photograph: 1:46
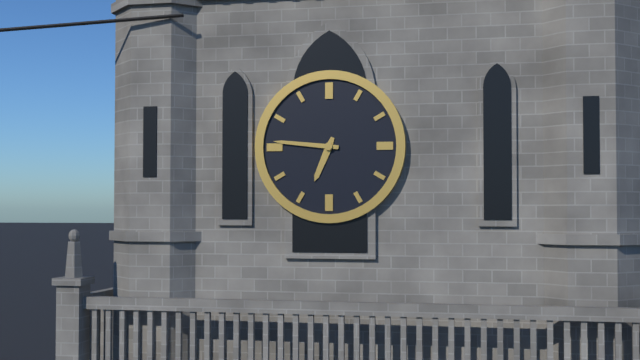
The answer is 6:46
